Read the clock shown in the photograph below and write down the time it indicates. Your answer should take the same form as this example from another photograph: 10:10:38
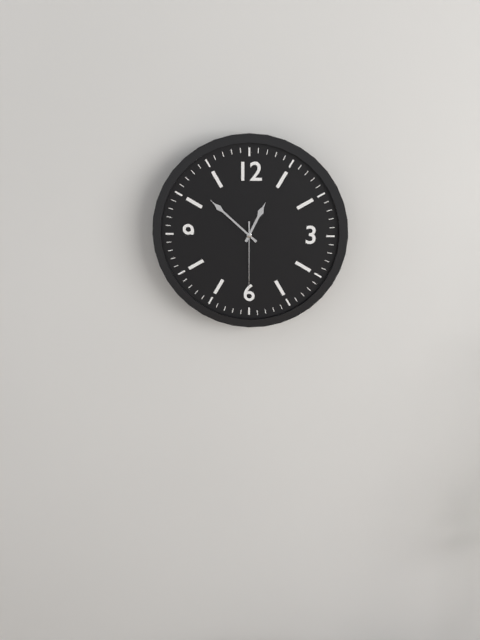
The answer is 12:52:30
